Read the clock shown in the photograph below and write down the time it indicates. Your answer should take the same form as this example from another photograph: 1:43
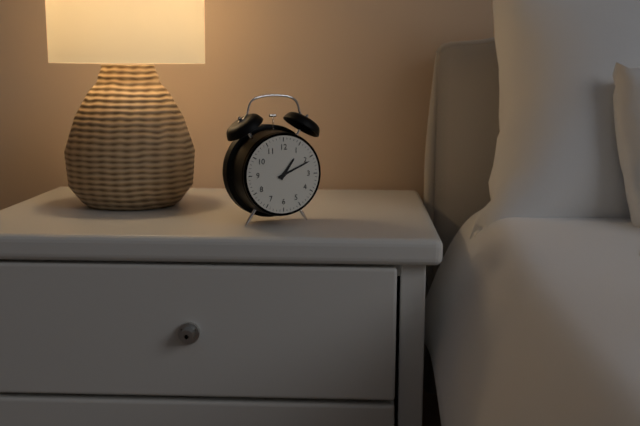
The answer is 1:11
